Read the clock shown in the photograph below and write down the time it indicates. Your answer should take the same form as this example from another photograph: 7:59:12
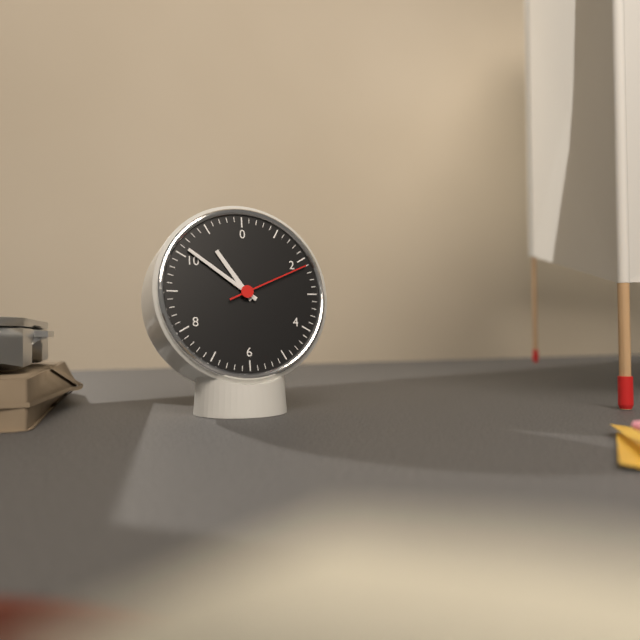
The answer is 10:51:11
